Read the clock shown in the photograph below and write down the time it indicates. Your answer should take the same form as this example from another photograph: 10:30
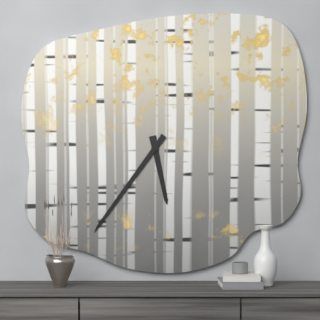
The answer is 5:36
